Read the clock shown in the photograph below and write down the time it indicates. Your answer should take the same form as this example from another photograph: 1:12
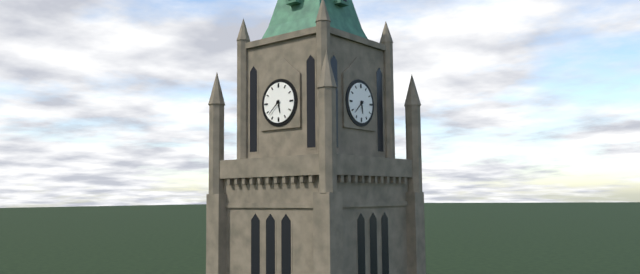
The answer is 5:38
